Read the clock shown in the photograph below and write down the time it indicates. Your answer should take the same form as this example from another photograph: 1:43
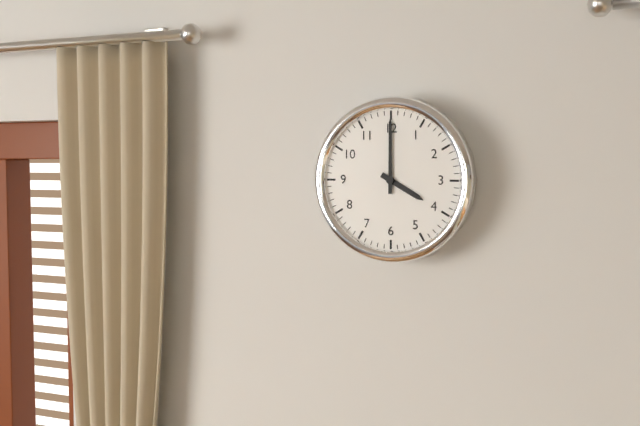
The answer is 4:00
